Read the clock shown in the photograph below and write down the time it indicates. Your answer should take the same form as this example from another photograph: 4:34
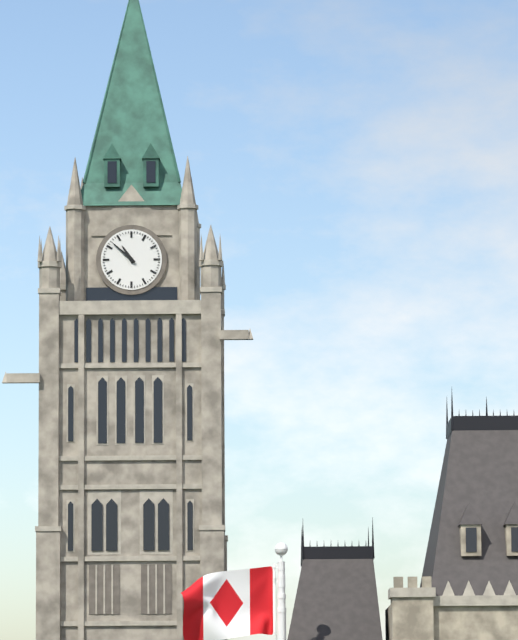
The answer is 10:52
